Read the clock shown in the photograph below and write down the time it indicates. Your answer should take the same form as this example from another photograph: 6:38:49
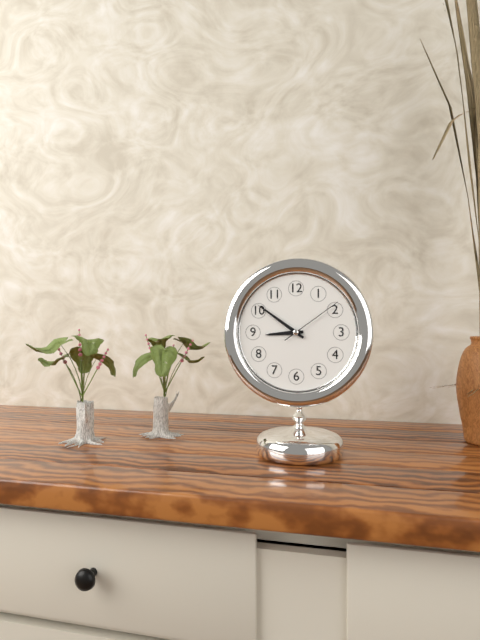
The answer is 8:51:09
